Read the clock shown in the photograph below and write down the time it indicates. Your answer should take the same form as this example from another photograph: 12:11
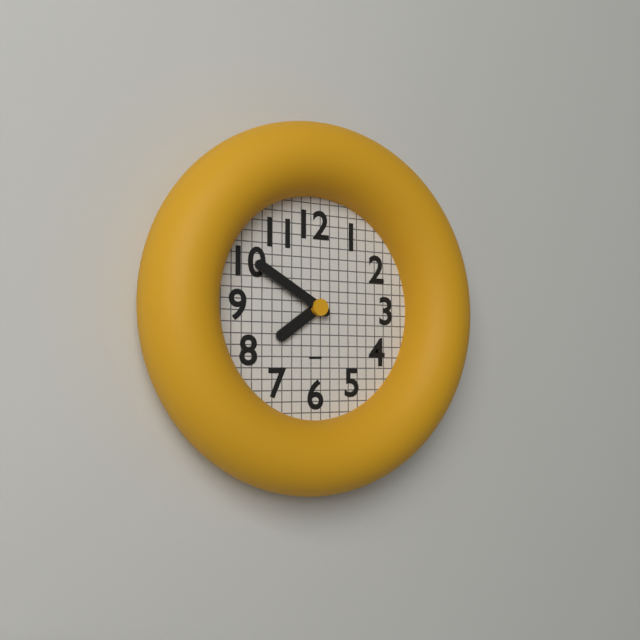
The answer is 7:50
